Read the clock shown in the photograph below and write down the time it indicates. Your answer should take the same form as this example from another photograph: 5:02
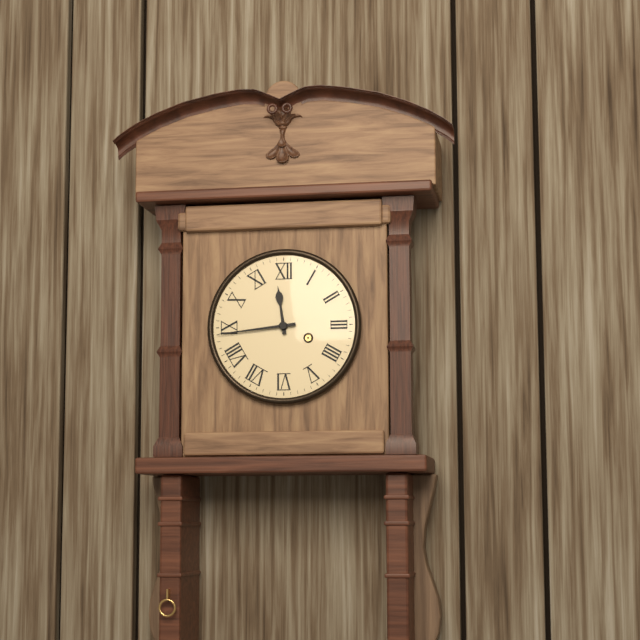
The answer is 11:44
